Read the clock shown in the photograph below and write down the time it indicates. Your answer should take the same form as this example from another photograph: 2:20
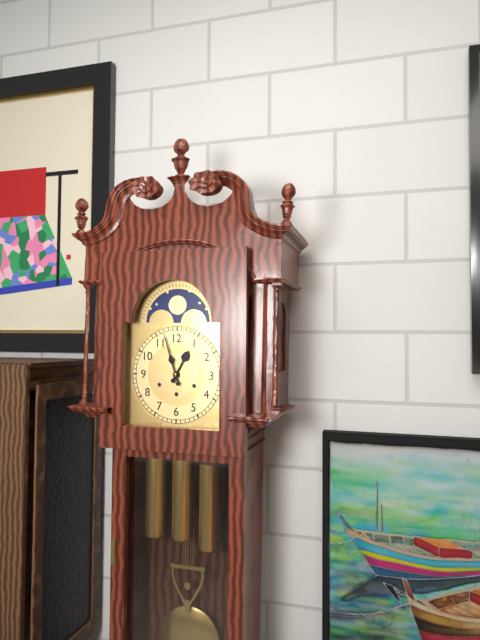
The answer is 12:57
